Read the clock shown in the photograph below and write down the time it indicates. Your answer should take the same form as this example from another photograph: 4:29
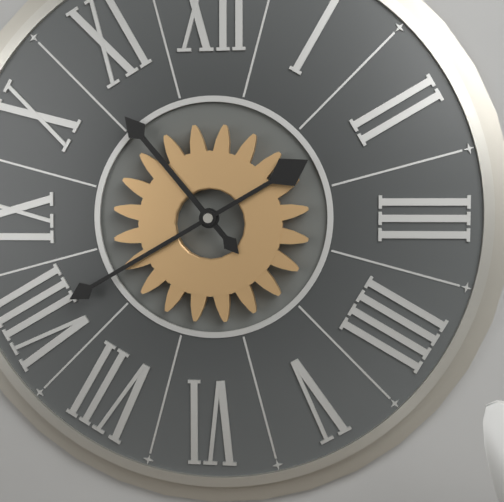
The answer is 10:40
